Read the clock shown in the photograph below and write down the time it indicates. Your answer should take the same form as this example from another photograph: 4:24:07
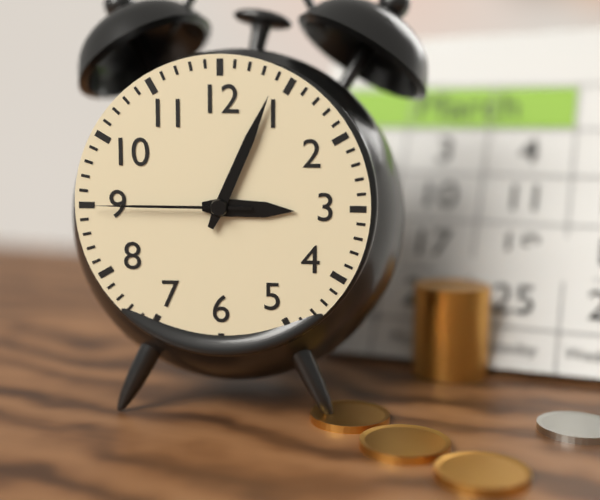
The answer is 3:04:45
